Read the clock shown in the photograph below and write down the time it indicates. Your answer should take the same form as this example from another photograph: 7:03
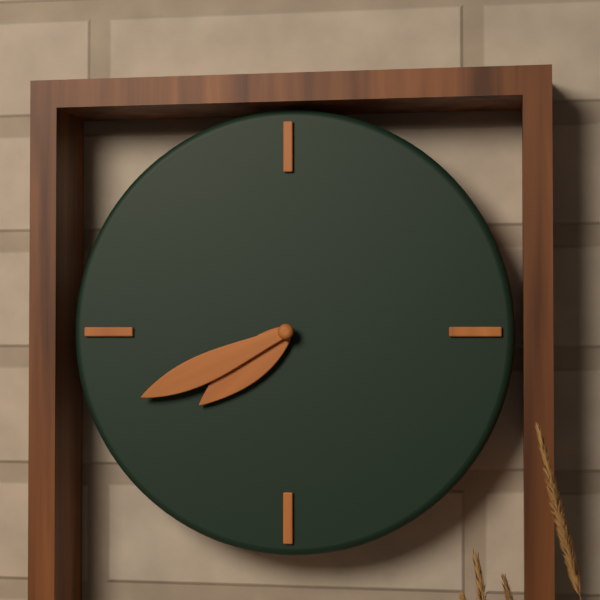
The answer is 7:41
